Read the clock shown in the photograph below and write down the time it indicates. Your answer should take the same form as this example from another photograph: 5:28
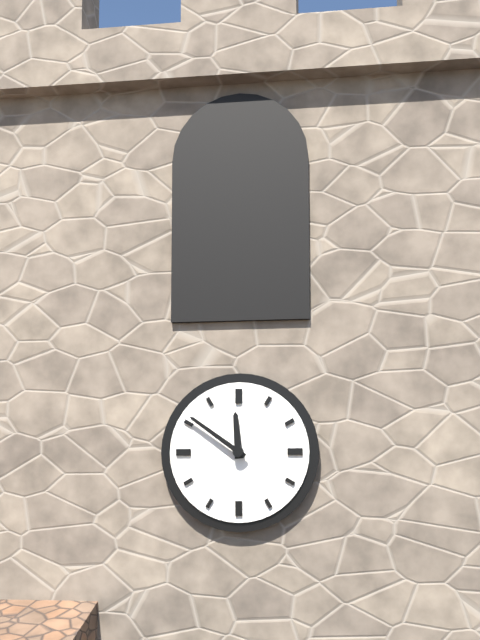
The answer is 11:51
